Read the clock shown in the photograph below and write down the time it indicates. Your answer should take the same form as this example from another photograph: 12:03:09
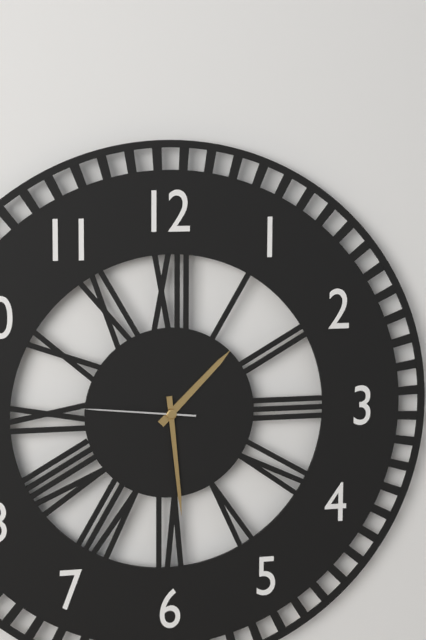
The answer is 1:29:46
